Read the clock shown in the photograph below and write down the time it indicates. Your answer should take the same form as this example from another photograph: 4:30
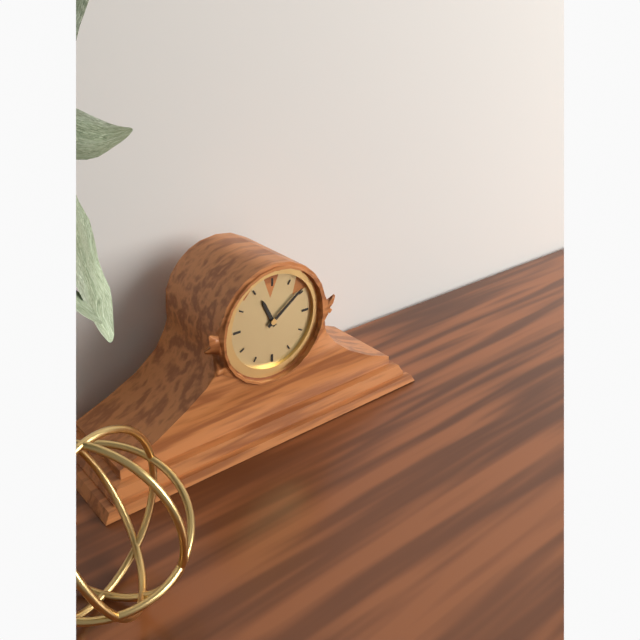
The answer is 11:09
